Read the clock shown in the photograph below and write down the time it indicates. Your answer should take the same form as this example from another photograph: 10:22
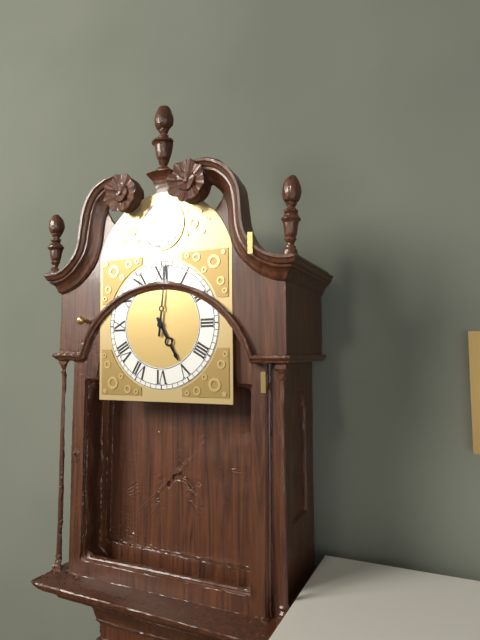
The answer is 5:01
